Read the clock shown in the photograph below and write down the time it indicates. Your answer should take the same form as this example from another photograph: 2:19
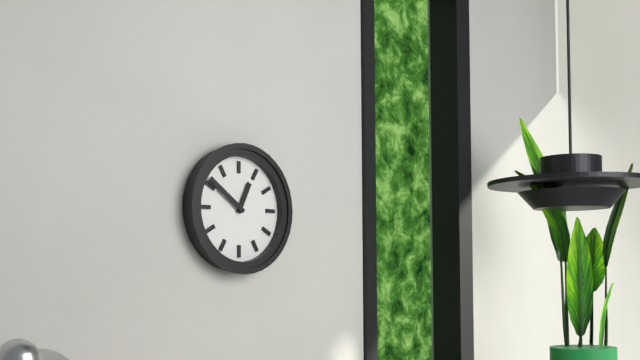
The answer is 12:51
